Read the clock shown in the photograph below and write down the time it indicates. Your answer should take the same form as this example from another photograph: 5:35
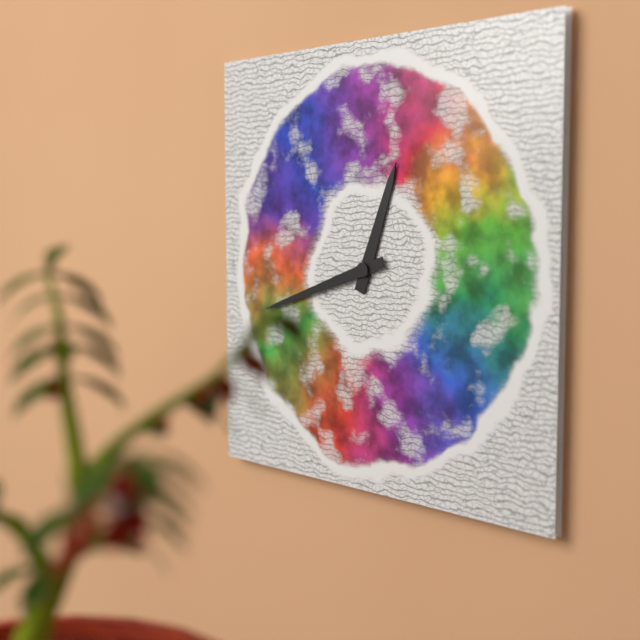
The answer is 12:42
